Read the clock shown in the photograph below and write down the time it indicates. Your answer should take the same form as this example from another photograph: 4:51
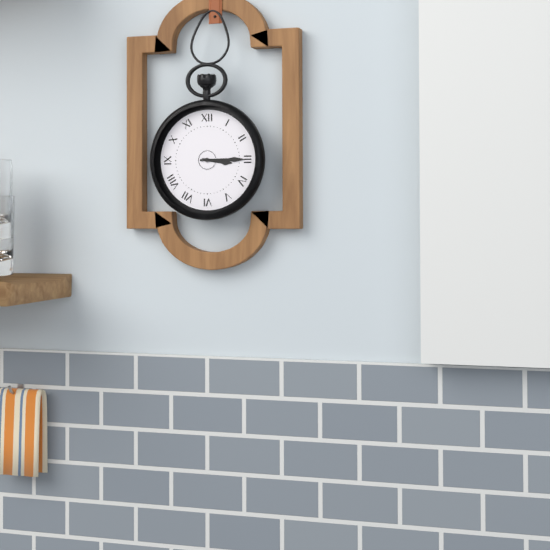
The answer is 3:15
